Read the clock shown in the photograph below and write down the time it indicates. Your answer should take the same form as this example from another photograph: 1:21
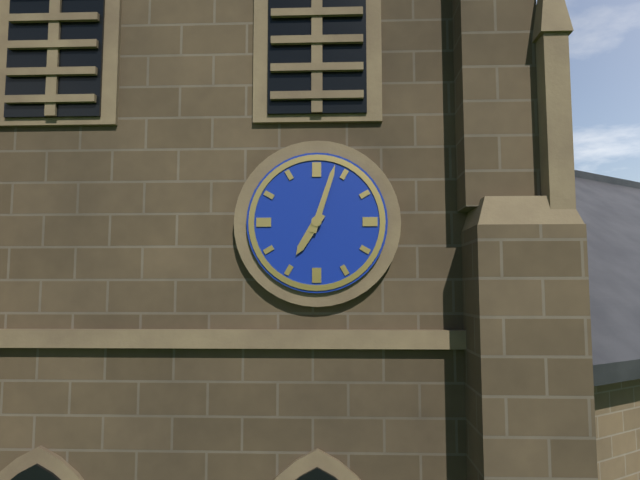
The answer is 7:03
